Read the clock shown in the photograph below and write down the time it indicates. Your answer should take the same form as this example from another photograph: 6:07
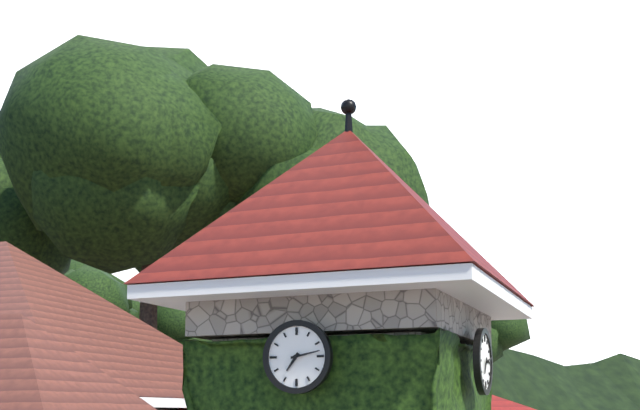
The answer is 7:13
